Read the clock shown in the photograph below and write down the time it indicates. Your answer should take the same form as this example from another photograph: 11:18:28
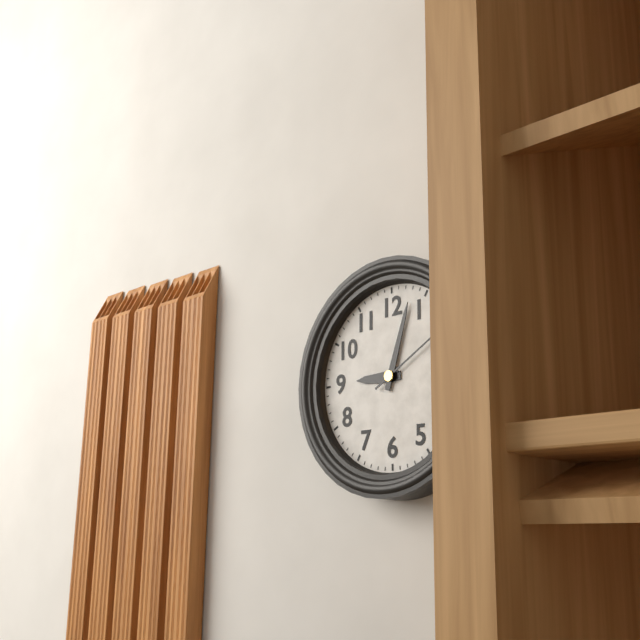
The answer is 9:03:10
